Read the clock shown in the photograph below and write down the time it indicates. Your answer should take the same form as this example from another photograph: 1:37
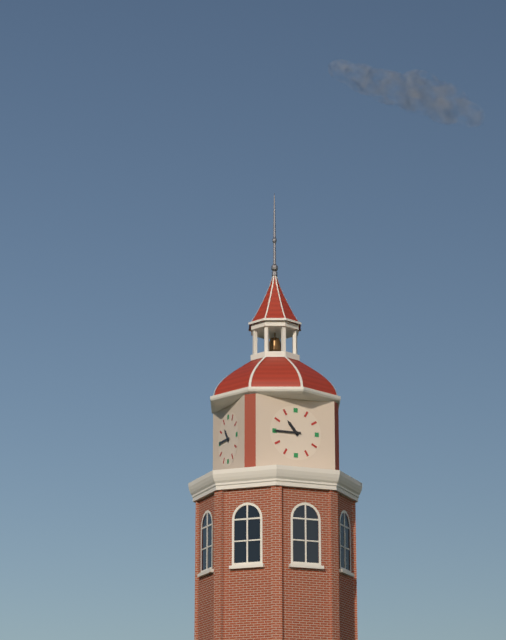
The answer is 10:45
